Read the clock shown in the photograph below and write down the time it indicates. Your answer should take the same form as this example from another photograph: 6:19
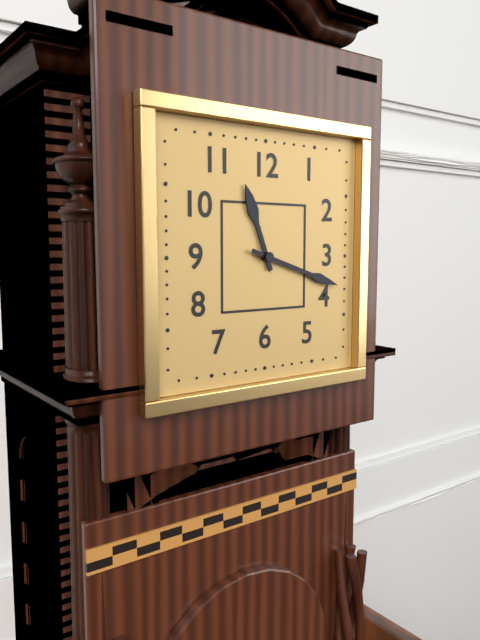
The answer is 11:18
